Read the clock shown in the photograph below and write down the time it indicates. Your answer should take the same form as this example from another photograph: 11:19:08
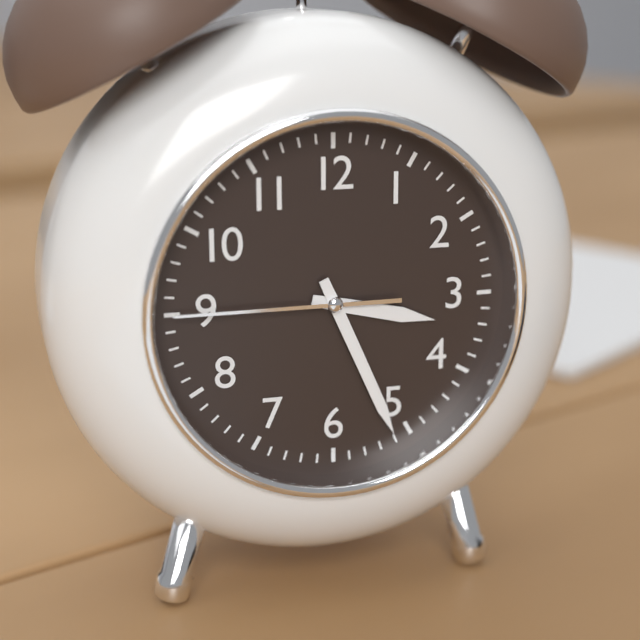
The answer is 3:26:45
